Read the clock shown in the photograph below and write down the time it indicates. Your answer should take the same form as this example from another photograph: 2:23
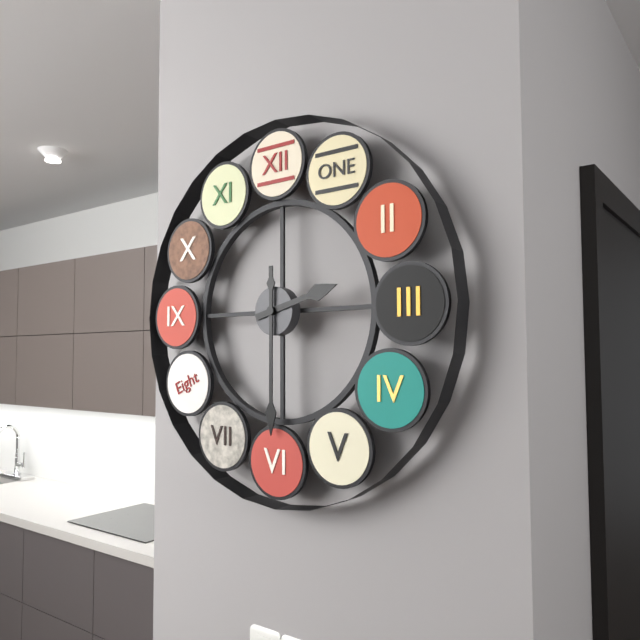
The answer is 2:30
